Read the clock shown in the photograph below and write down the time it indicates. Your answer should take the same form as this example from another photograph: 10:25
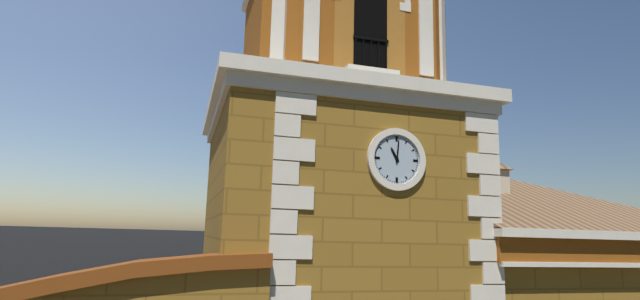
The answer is 11:01
